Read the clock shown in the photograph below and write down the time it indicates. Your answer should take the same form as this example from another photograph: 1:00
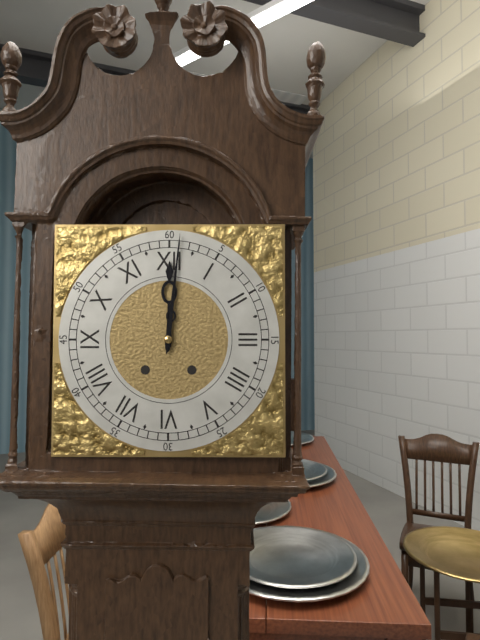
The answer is 12:01
